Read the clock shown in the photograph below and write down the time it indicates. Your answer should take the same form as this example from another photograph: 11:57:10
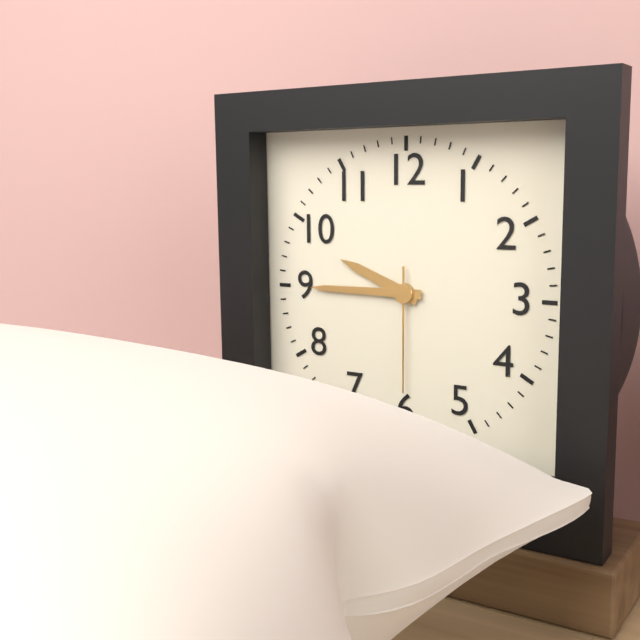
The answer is 9:45:30
